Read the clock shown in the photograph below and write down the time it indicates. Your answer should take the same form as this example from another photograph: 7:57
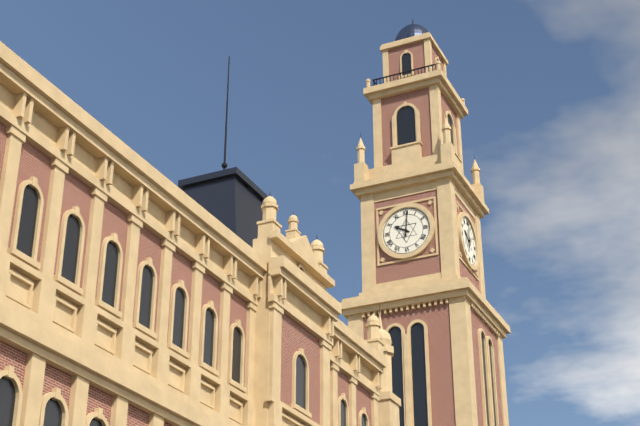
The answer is 10:01
